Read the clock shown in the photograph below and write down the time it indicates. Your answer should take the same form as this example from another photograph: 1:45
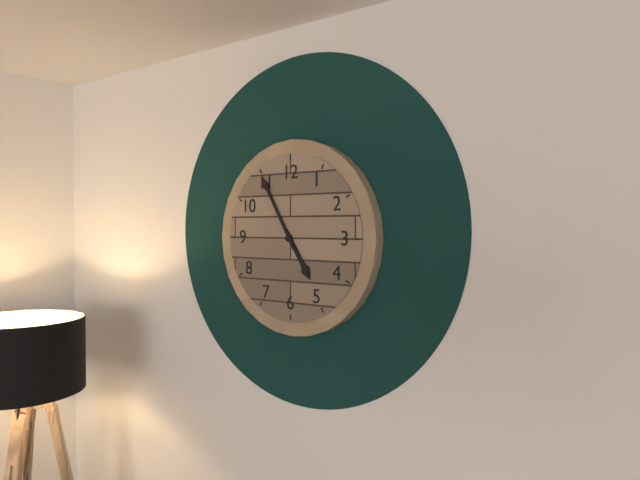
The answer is 4:55
